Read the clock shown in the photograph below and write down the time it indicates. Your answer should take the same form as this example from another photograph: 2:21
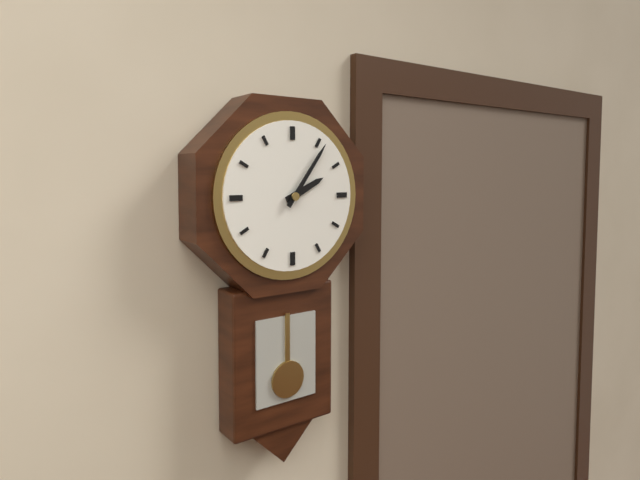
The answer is 2:06
